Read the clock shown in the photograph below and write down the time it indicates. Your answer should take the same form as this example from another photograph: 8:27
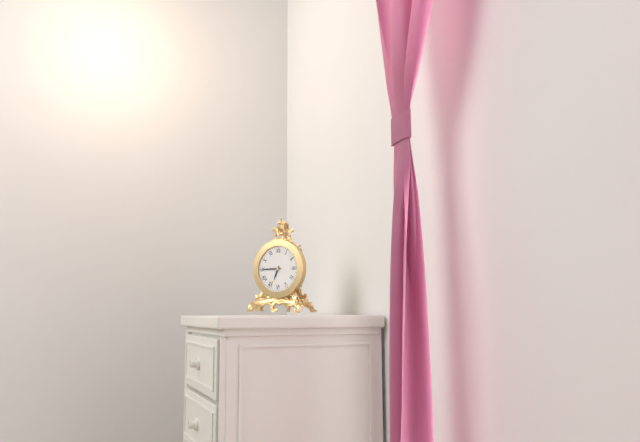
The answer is 6:45
